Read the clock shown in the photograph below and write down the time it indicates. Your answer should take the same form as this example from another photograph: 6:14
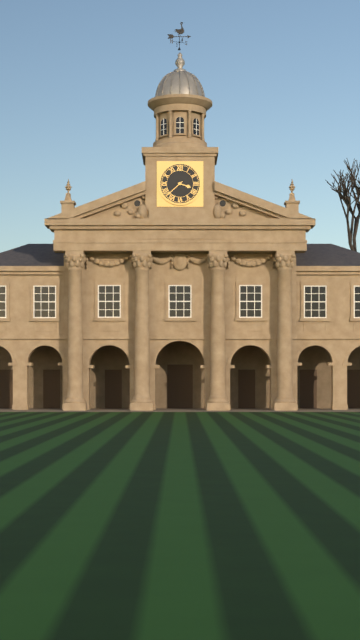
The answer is 3:38
